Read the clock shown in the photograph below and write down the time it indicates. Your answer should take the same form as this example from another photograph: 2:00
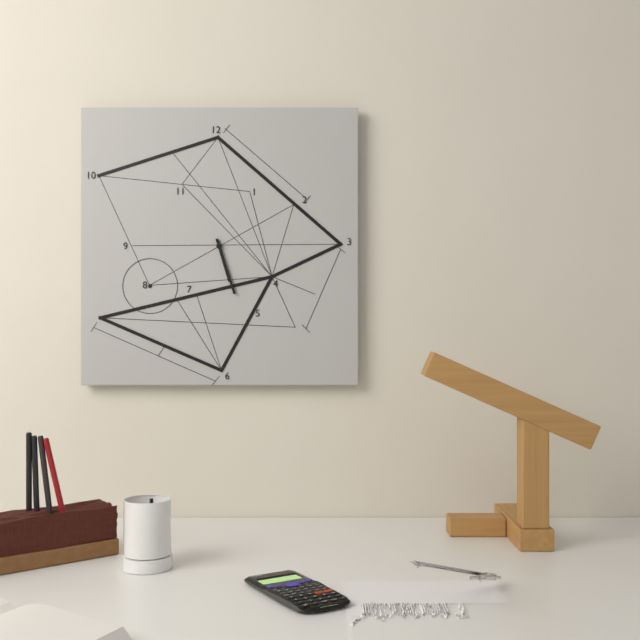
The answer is 5:27
